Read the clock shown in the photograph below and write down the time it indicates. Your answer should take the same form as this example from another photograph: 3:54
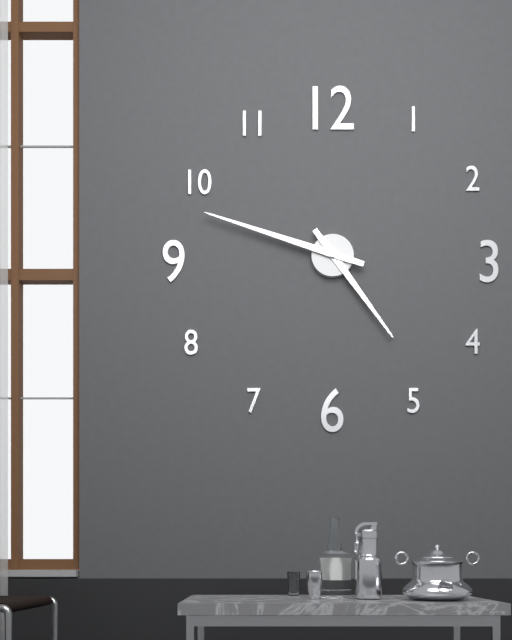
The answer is 4:48
